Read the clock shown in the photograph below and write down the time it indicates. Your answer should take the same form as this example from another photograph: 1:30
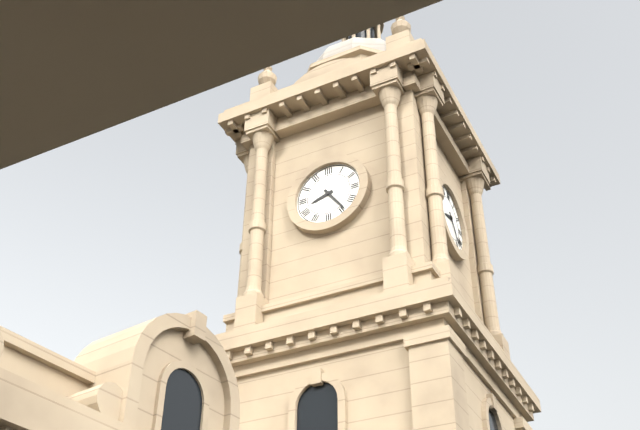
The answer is 8:24
